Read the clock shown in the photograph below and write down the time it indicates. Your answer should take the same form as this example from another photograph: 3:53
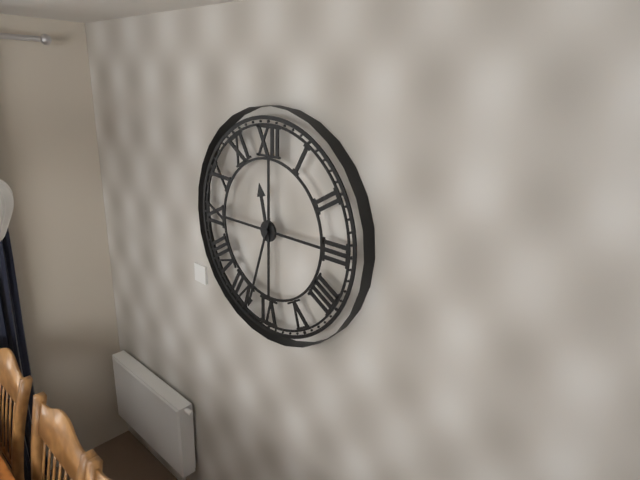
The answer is 11:33
